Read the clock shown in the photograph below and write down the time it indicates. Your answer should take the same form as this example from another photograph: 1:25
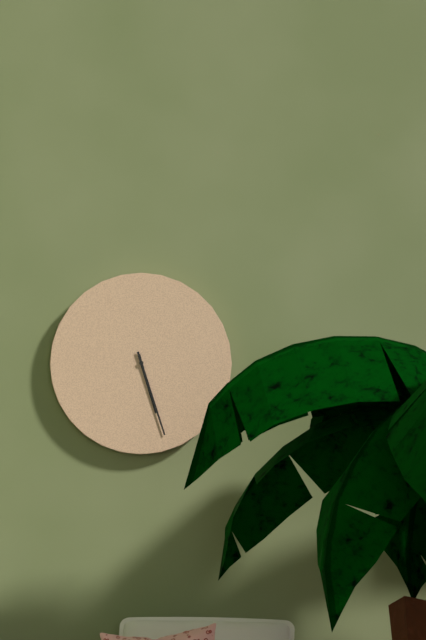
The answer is 5:27
